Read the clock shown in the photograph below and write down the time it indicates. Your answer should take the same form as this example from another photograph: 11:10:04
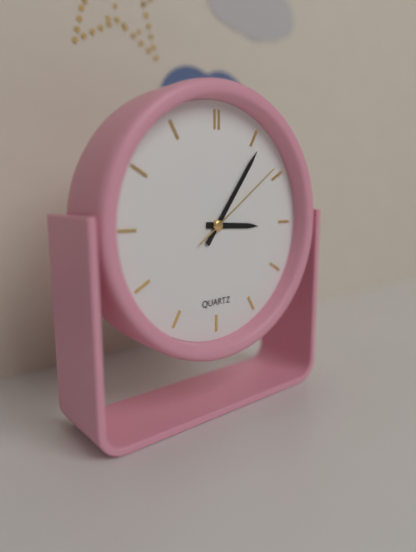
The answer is 3:06:09
